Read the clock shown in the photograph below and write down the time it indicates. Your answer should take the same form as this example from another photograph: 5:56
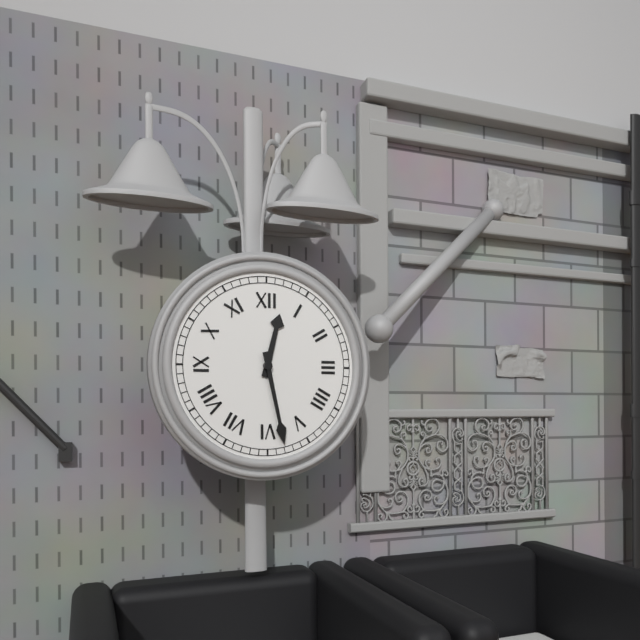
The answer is 12:28
